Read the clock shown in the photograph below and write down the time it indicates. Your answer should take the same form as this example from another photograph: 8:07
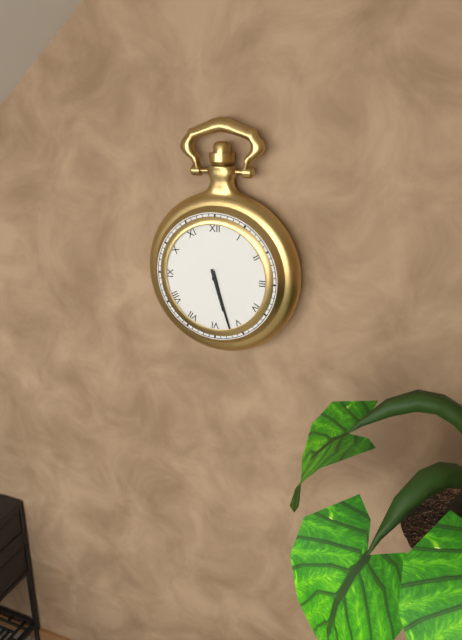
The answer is 5:27
